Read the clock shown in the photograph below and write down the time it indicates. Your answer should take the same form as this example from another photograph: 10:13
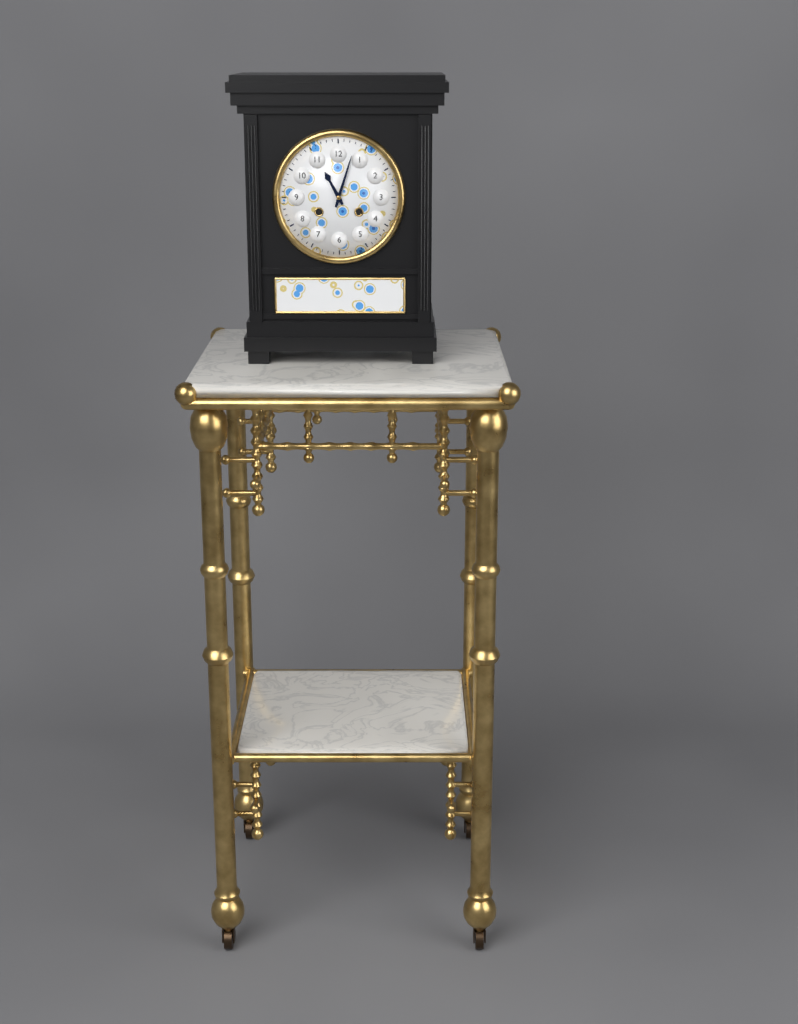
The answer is 11:03
